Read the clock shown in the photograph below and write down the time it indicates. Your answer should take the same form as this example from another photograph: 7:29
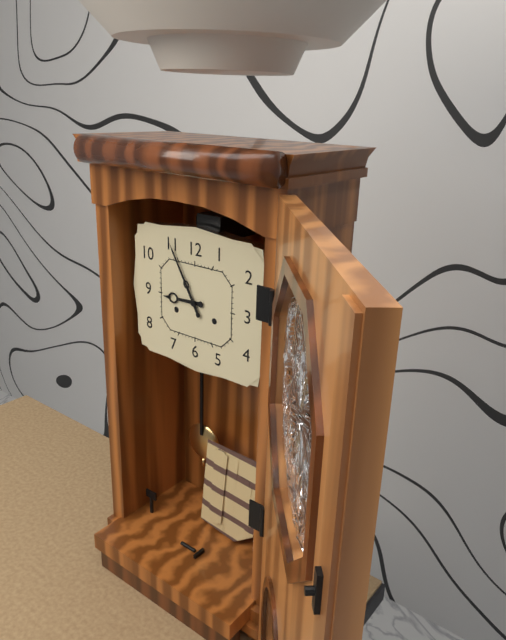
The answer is 8:55
